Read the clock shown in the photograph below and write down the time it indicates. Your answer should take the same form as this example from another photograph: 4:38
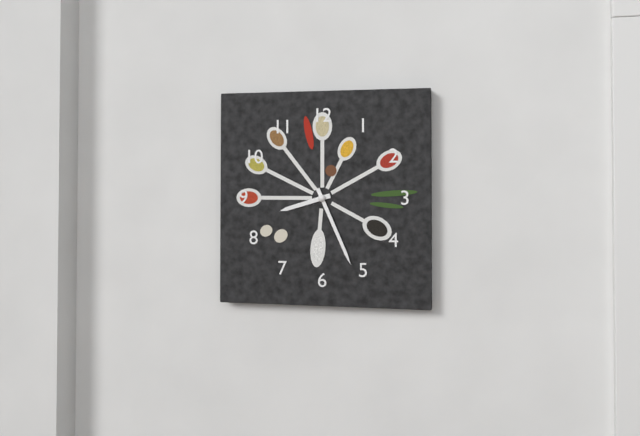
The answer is 8:26
